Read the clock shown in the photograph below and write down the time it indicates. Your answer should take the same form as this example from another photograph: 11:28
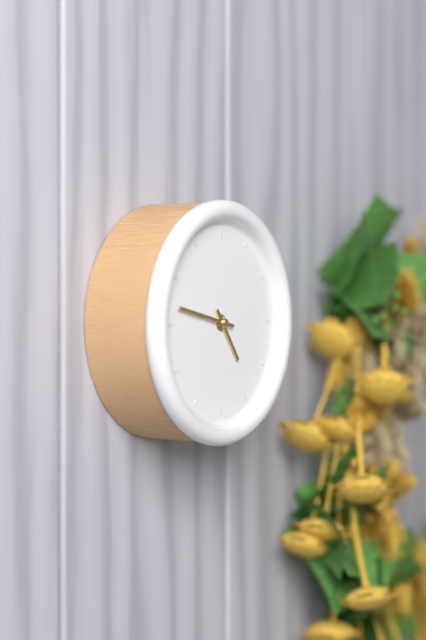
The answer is 4:47
